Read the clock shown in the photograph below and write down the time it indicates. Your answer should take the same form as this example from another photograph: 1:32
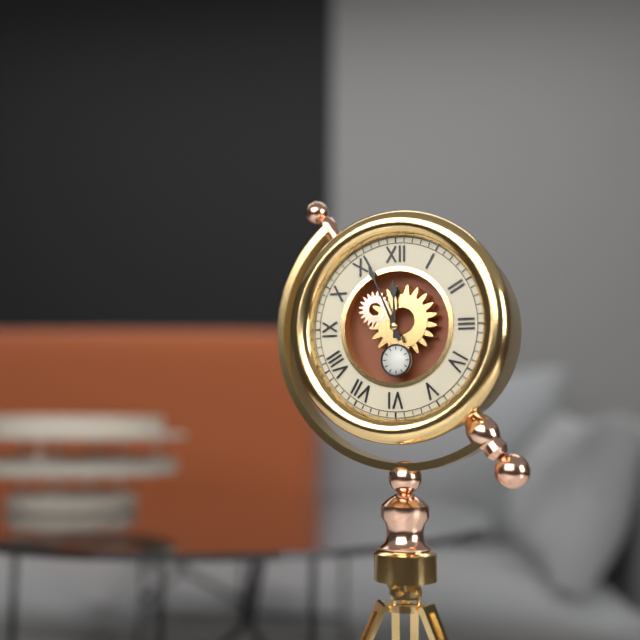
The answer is 11:56
